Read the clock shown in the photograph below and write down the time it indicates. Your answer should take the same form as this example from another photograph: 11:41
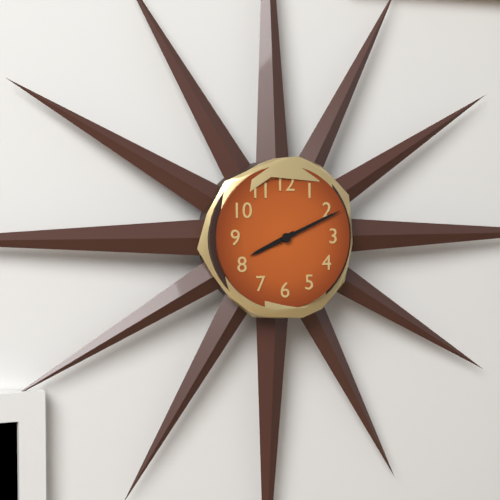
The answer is 8:11
